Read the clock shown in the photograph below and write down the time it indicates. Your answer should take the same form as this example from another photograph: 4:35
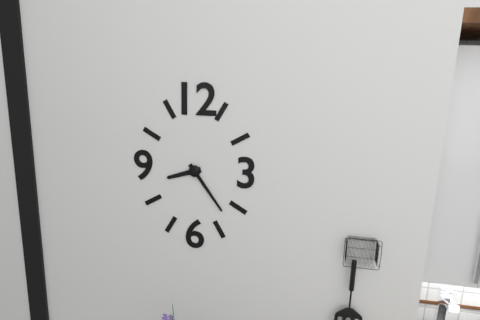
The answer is 8:24
